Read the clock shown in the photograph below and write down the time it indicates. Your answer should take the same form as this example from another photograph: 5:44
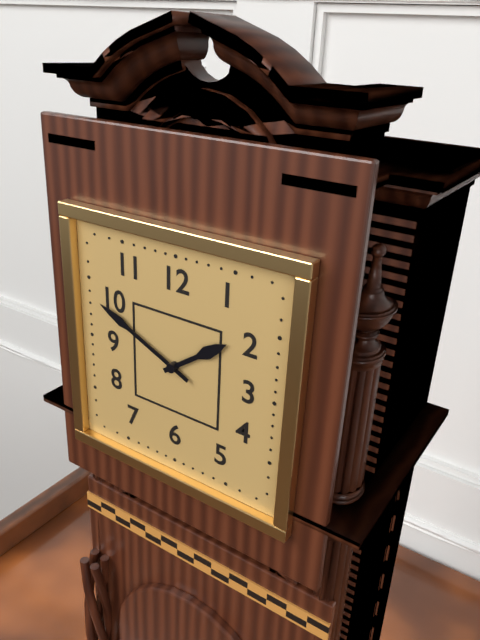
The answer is 1:49
